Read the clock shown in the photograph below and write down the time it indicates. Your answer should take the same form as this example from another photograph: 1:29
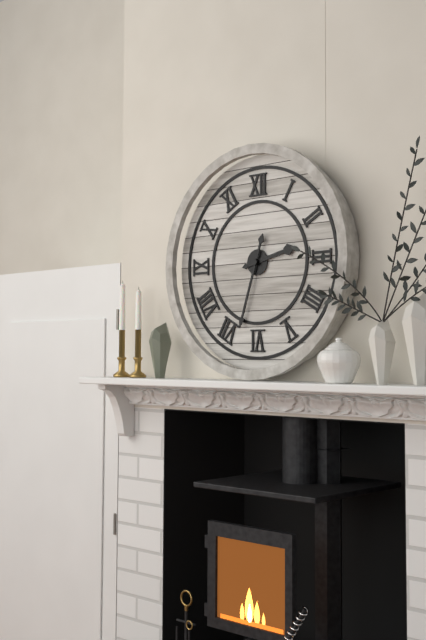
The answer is 2:33
